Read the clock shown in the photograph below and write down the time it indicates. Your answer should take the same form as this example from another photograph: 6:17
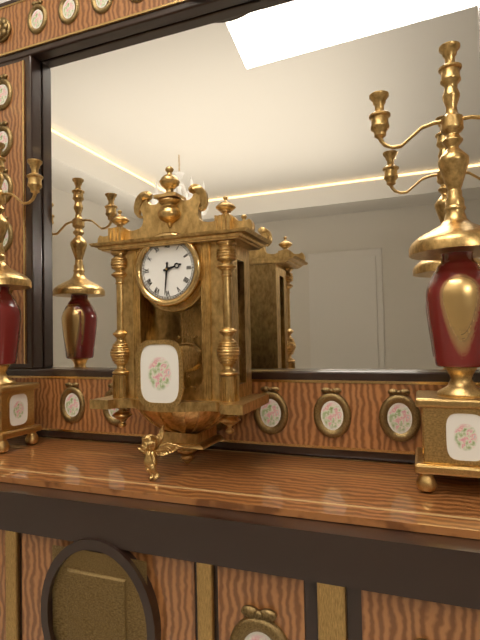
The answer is 2:31
